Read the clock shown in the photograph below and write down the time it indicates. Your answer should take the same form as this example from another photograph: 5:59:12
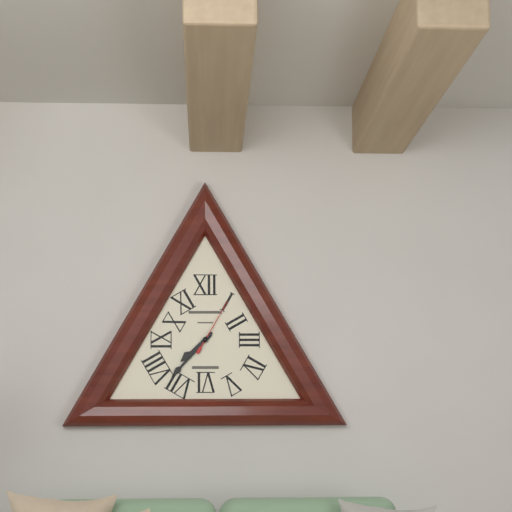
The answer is 7:37:05
